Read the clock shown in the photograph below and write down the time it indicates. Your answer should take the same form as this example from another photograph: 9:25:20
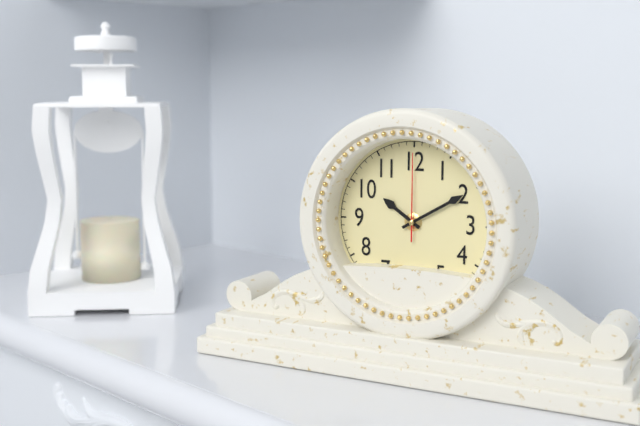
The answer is 10:10:00
